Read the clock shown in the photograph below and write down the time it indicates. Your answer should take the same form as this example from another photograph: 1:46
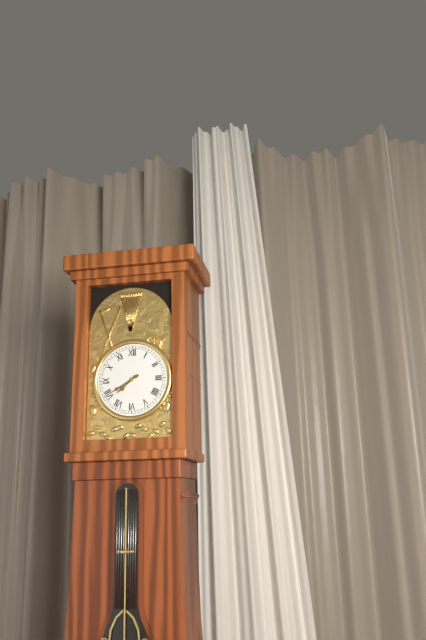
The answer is 7:40
